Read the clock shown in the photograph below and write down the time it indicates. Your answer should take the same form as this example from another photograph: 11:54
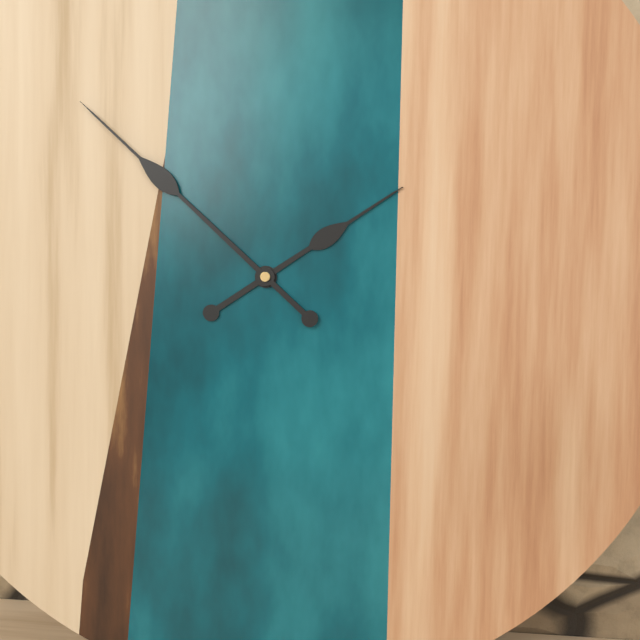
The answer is 1:52
